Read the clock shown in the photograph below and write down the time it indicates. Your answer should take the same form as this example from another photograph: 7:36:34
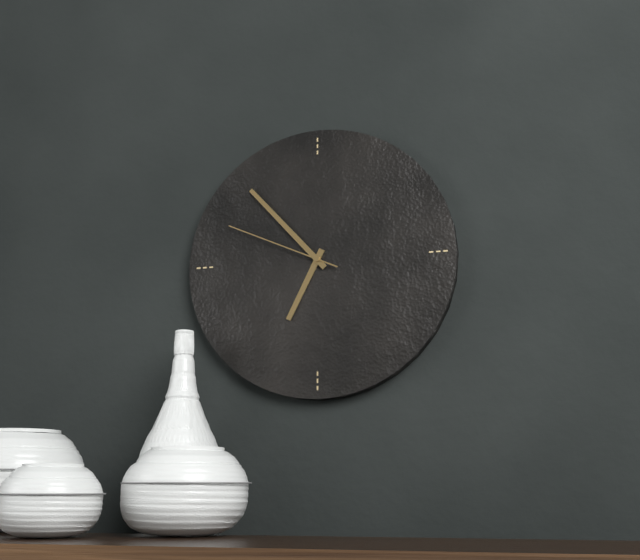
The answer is 6:53:49
